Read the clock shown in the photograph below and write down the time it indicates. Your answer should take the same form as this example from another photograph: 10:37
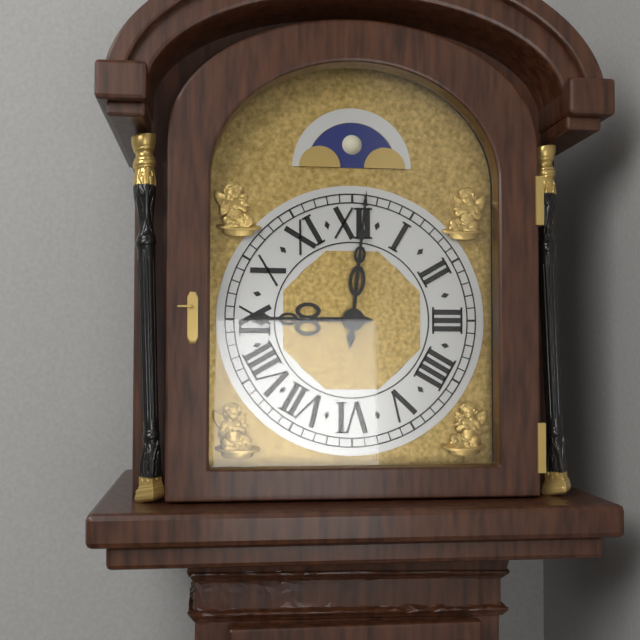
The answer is 9:01
